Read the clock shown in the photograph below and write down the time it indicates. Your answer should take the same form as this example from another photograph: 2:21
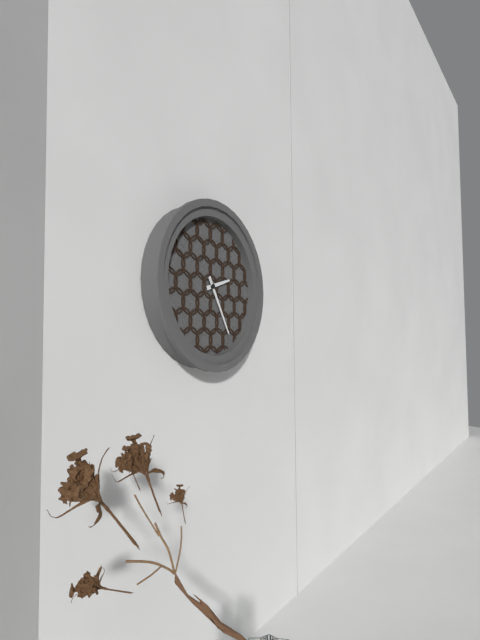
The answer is 2:25
